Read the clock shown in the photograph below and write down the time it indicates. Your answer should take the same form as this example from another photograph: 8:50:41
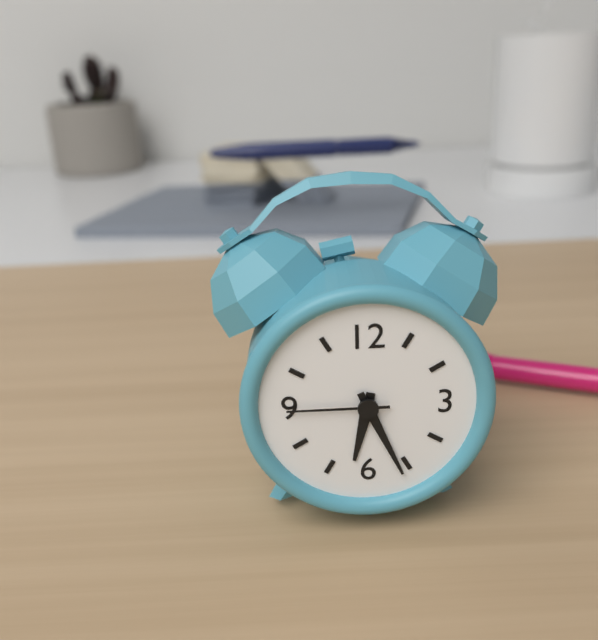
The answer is 6:26:45
